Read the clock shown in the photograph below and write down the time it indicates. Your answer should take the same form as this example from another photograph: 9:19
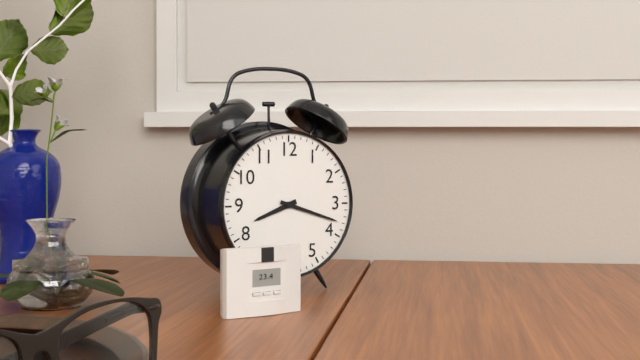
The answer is 8:18
